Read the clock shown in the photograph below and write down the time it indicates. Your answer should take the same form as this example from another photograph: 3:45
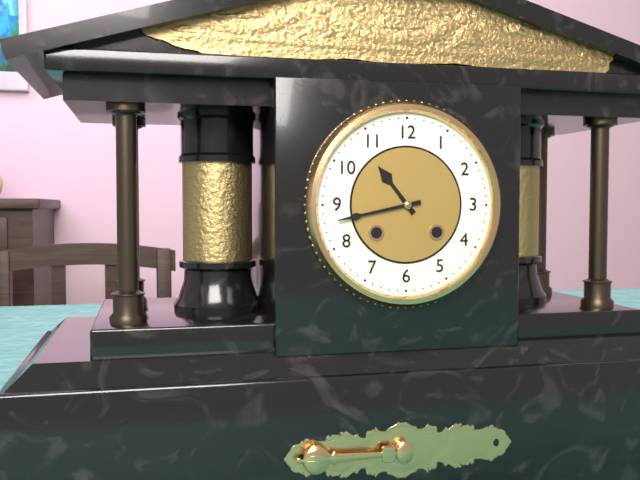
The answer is 10:43
